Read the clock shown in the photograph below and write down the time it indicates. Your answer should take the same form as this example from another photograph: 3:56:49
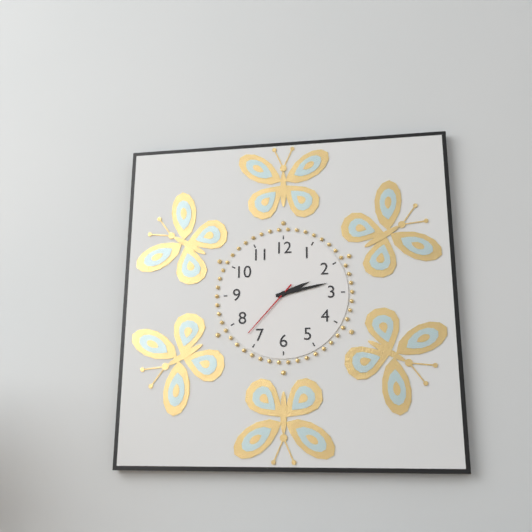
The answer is 2:13:37
